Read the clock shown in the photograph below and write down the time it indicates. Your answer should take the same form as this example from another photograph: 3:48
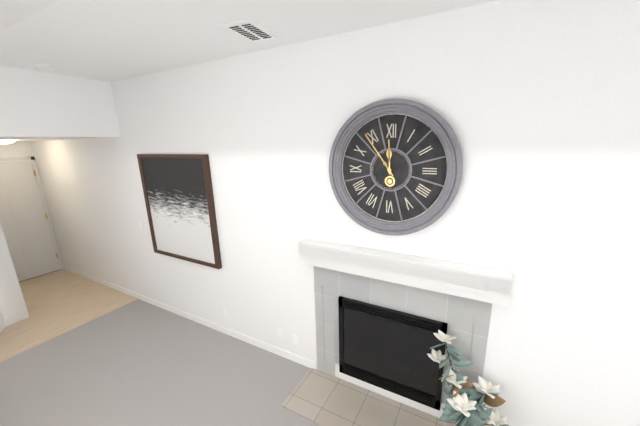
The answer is 11:54
